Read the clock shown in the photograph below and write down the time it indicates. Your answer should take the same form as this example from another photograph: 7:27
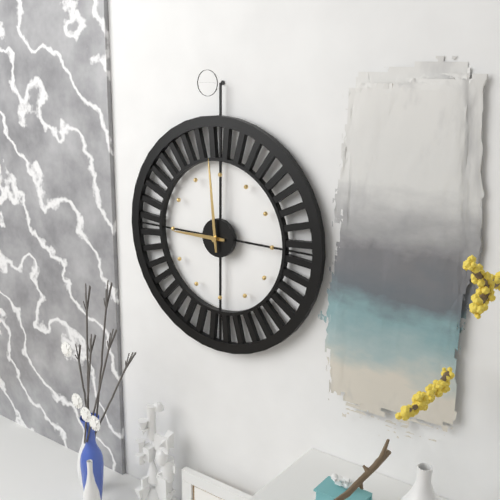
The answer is 8:59
